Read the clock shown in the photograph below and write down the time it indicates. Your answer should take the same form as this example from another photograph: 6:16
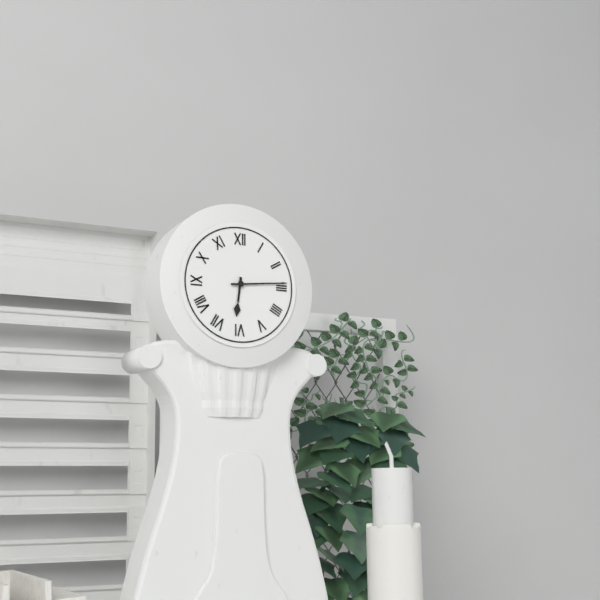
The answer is 6:14
